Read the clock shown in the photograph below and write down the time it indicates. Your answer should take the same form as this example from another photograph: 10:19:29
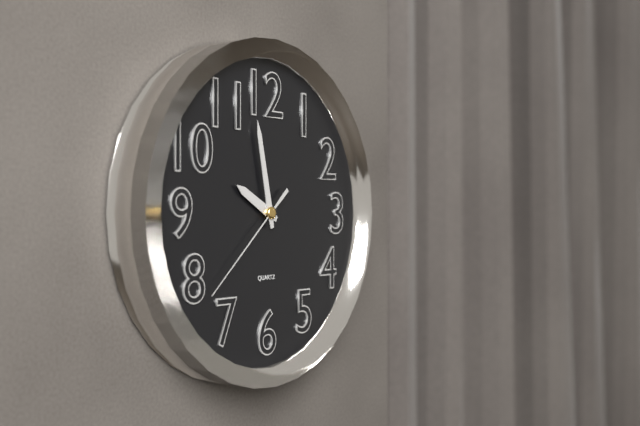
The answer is 9:58:38
